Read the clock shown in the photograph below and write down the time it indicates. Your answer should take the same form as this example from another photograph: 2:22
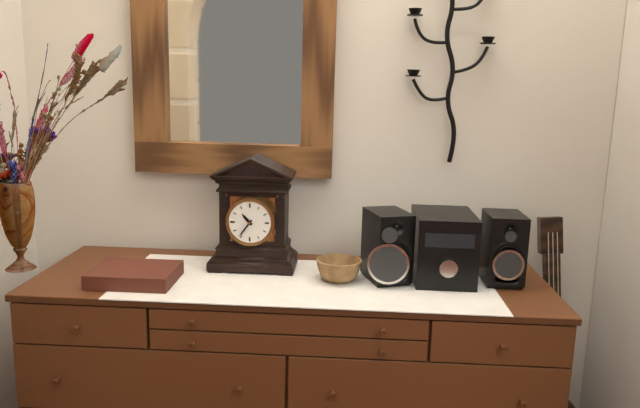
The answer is 10:36
